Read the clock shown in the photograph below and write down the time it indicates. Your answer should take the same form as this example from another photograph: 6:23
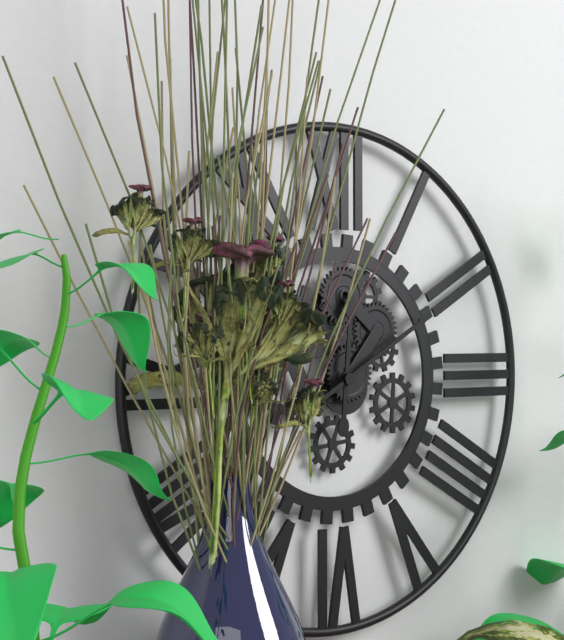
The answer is 12:10
